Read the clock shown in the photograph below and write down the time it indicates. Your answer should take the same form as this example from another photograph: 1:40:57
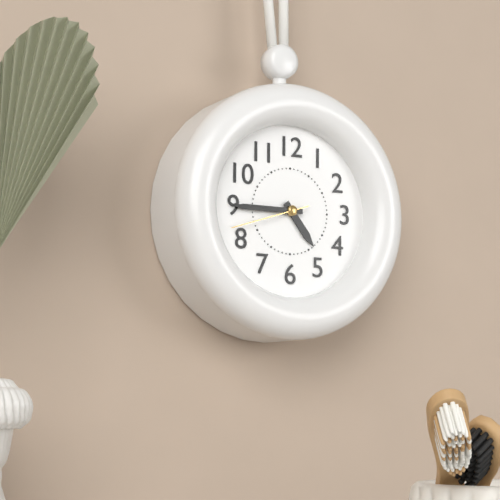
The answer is 4:45:42
